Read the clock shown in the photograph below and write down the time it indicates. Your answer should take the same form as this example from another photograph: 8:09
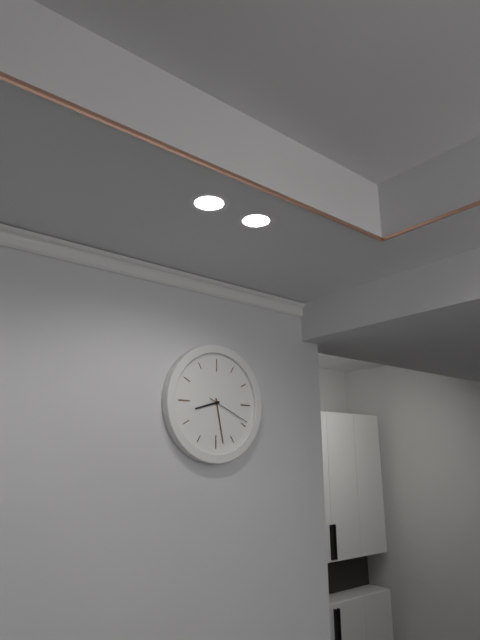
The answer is 8:28
